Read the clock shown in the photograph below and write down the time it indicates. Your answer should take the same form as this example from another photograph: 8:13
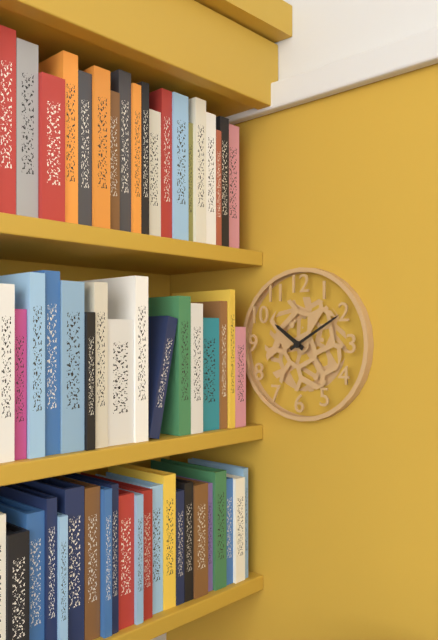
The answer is 10:10
